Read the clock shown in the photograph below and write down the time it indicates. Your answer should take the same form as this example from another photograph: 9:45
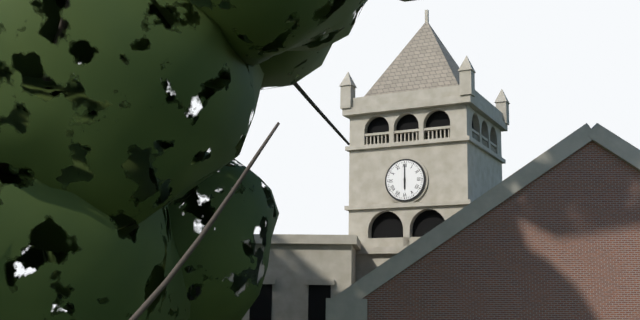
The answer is 6:00
